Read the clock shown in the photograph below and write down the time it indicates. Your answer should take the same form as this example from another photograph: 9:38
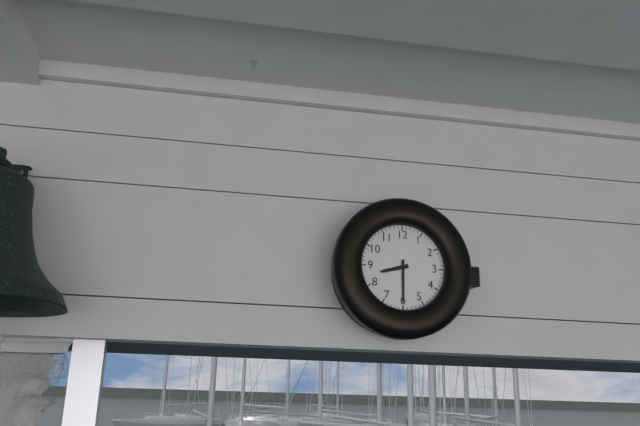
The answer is 8:30
